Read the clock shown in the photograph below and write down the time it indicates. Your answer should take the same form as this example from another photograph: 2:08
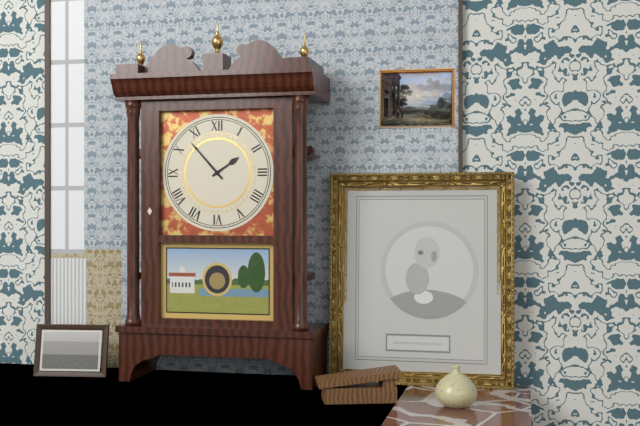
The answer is 1:53
